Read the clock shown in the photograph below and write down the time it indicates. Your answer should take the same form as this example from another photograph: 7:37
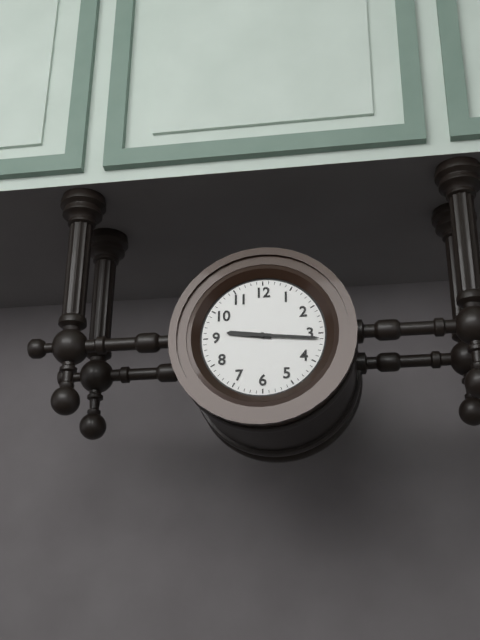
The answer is 9:16
